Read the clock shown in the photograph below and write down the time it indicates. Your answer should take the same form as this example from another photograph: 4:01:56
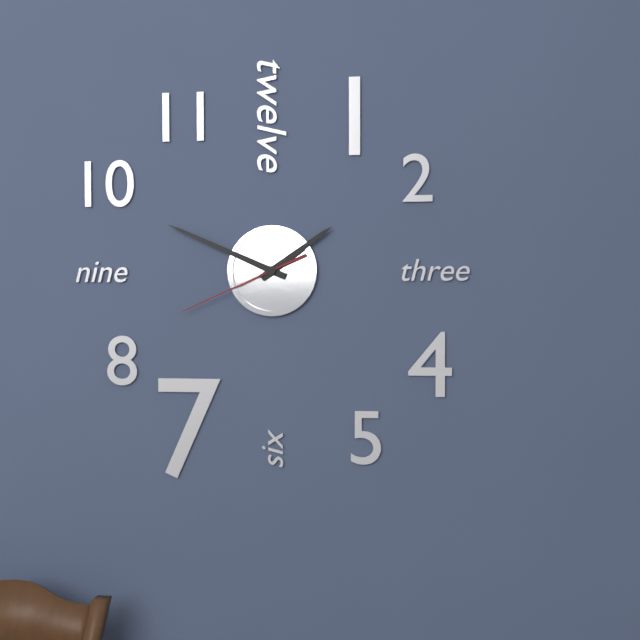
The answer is 1:49:41
